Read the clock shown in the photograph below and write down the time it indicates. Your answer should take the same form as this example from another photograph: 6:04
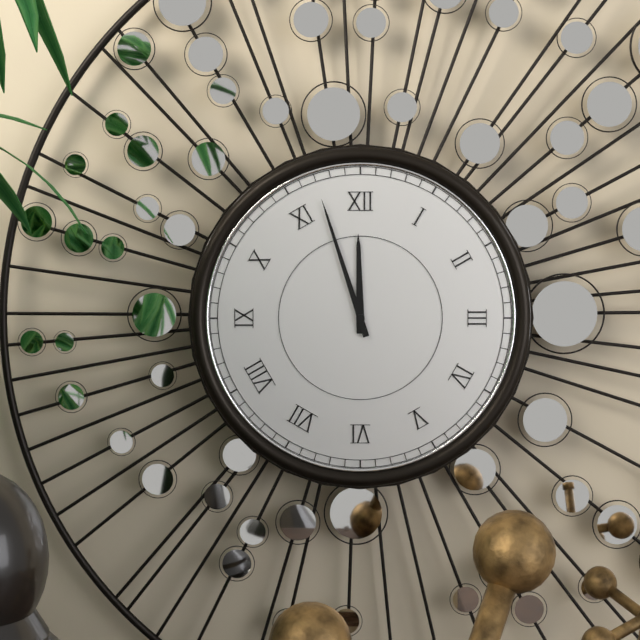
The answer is 11:57
